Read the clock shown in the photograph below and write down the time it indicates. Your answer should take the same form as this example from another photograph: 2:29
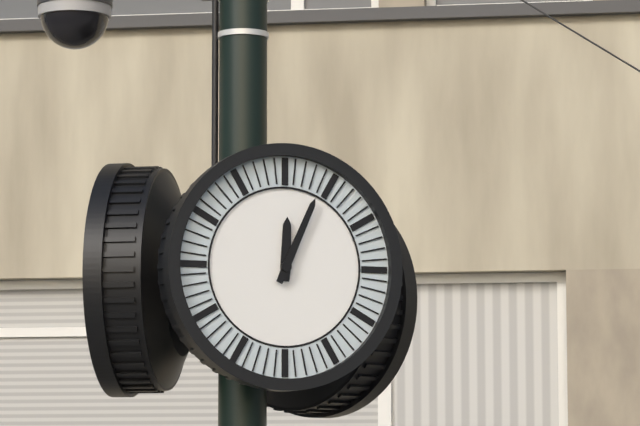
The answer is 12:04
